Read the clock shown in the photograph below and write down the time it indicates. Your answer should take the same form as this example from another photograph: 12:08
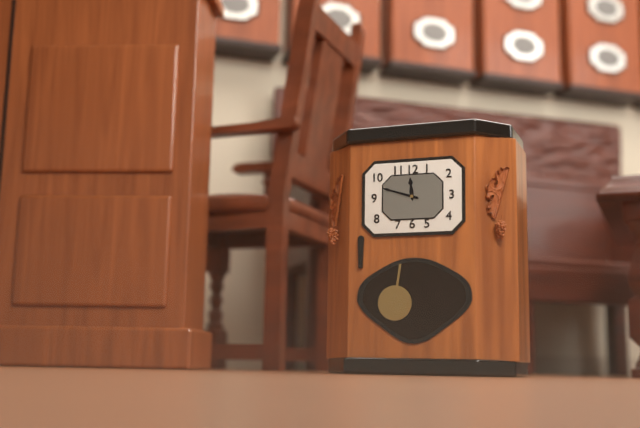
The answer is 11:48
